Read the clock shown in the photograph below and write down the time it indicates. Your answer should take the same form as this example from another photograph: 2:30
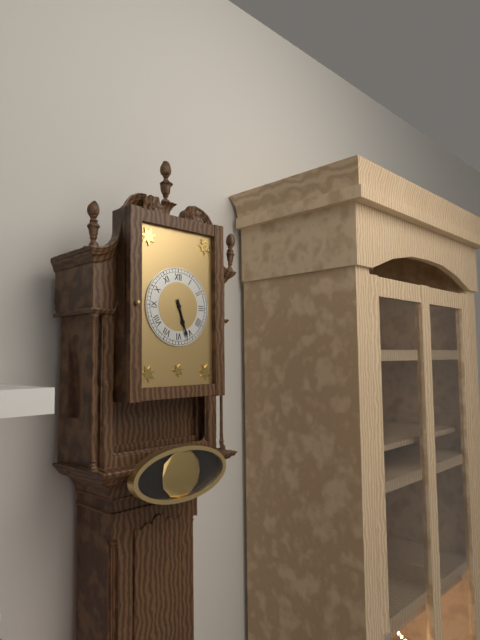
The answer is 5:27
